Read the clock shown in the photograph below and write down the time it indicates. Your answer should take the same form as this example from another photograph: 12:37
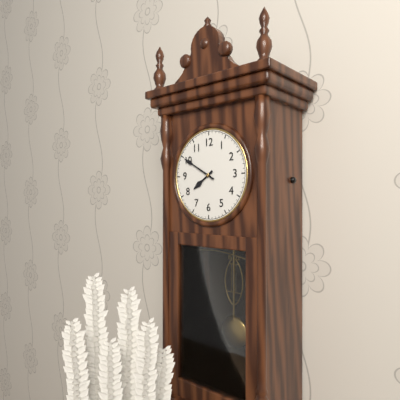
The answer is 7:50
